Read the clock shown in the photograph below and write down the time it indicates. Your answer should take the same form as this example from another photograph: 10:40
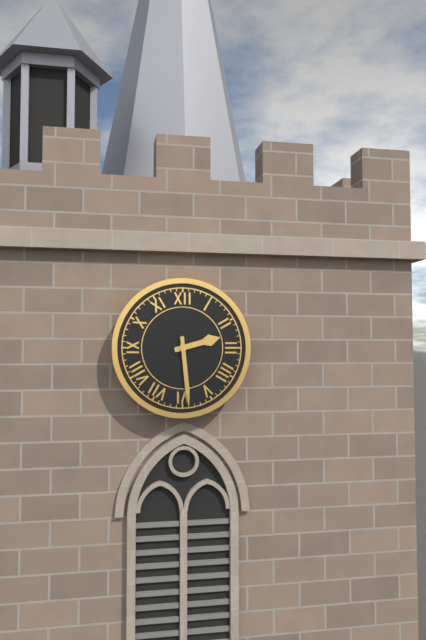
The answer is 2:29
